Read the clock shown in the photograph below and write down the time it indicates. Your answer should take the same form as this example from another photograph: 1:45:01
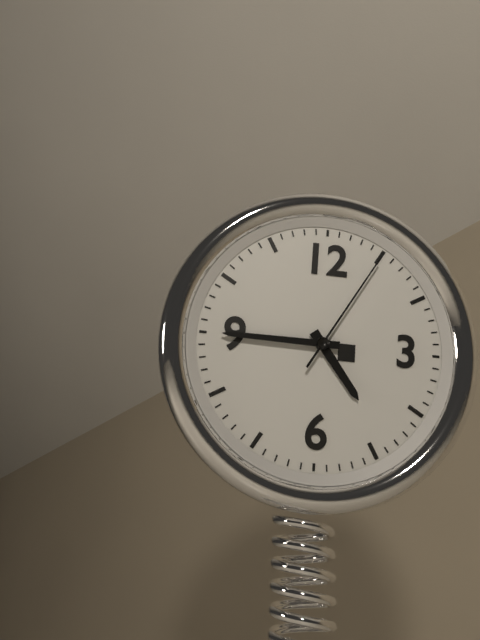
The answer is 4:45:05
